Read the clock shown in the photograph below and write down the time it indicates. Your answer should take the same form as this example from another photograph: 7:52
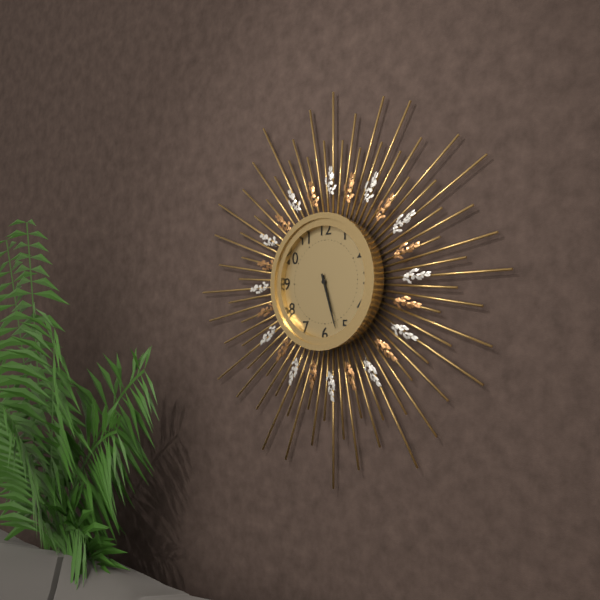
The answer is 5:27
